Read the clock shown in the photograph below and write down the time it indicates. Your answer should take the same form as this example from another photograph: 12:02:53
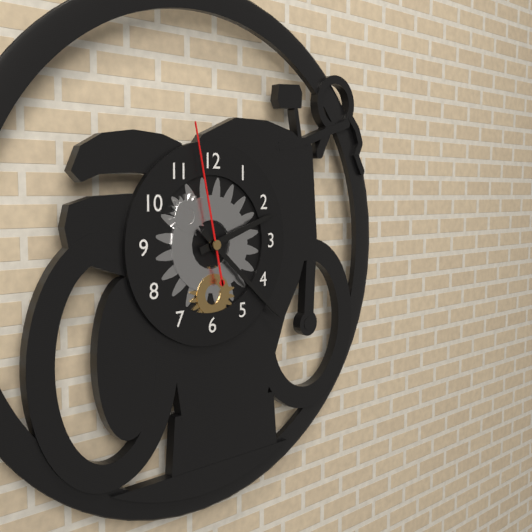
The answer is 2:22:58
